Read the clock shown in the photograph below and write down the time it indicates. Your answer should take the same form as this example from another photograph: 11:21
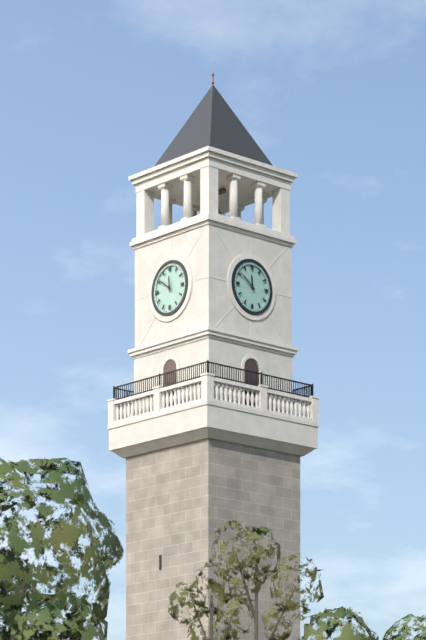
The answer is 11:51
